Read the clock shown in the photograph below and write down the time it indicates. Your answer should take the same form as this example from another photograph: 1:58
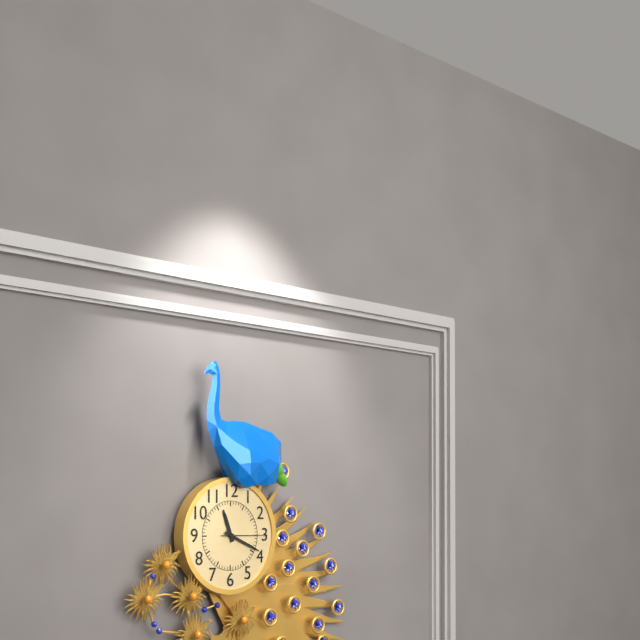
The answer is 11:19
